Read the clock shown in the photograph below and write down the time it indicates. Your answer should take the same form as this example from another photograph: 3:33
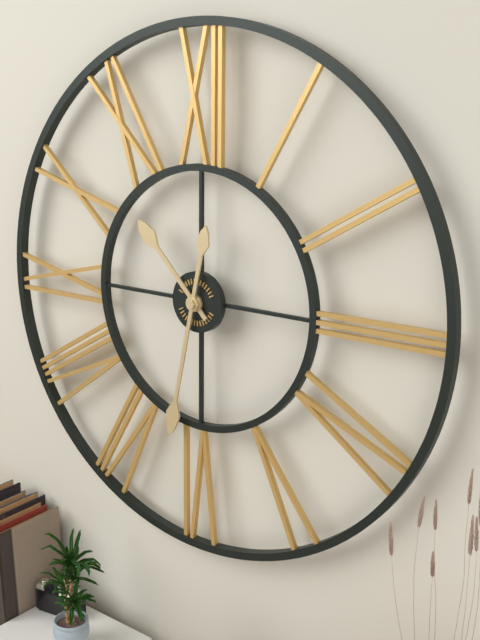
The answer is 10:32
